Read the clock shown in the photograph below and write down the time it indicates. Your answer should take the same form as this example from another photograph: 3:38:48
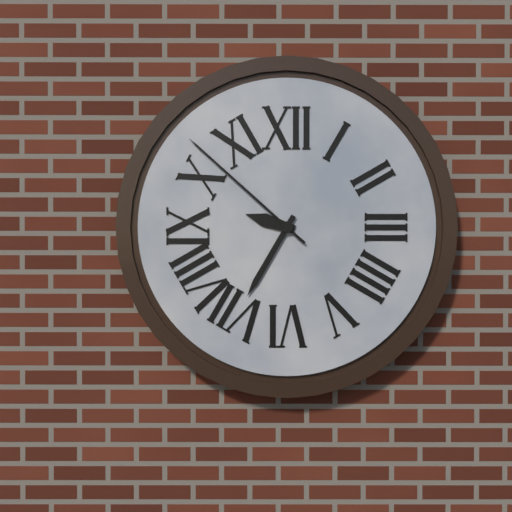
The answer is 9:35:52
